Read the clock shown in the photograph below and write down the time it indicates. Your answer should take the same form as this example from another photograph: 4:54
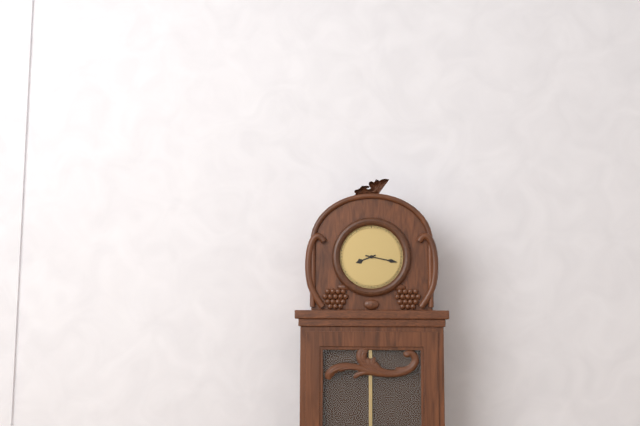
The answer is 8:17
